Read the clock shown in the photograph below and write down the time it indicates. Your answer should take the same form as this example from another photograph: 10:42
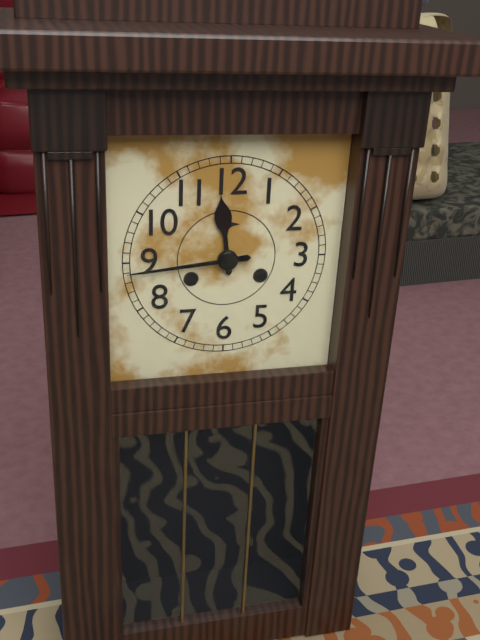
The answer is 11:44
